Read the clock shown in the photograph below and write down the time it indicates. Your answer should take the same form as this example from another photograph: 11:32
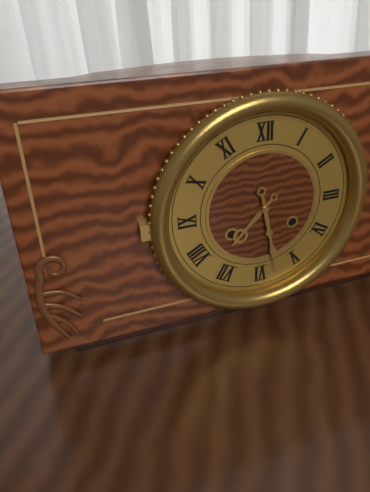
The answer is 7:28
